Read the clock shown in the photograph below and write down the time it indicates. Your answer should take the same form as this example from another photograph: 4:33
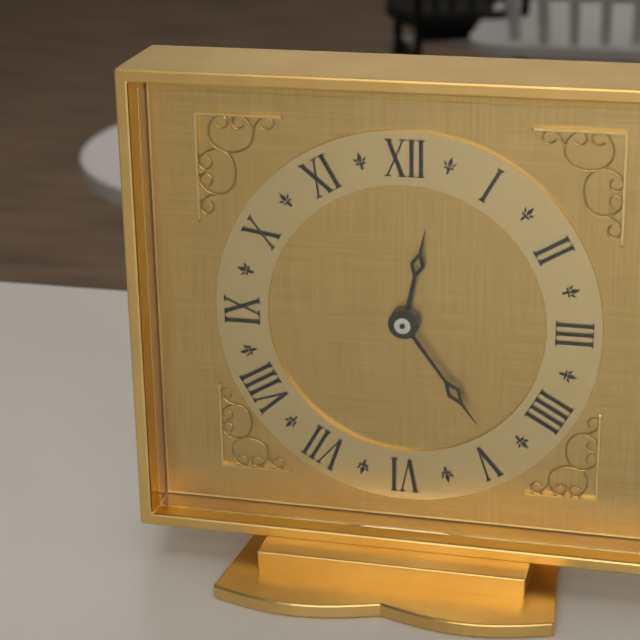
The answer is 12:24
